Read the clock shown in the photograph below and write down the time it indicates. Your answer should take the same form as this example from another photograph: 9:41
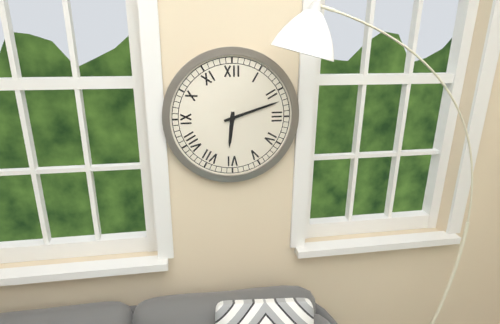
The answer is 6:12
